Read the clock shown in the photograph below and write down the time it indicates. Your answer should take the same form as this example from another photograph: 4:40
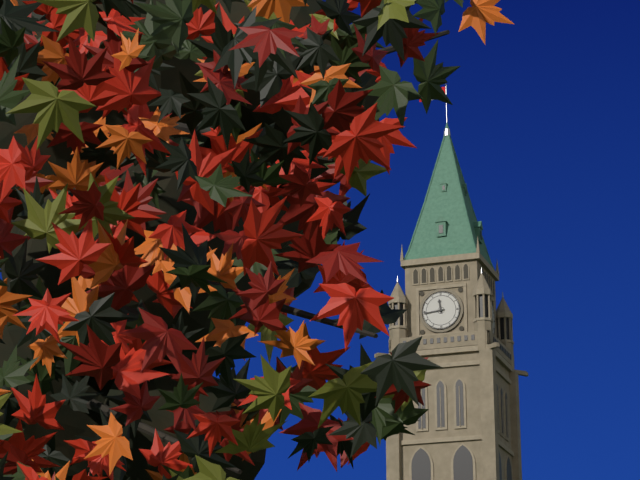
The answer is 11:44
